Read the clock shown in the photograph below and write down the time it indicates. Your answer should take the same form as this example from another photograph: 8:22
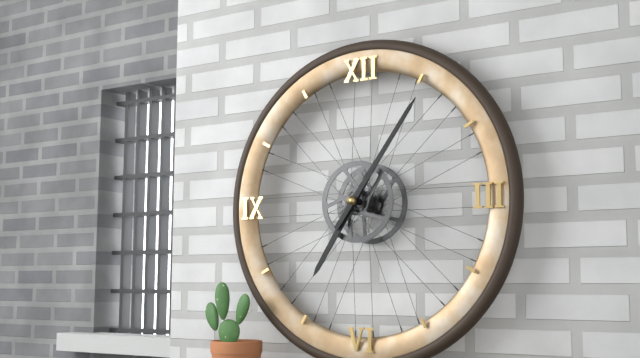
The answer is 7:06
